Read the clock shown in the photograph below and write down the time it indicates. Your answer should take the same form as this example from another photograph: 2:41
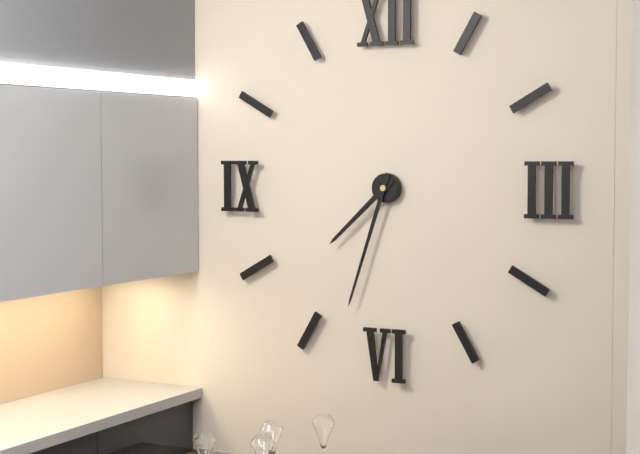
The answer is 7:33
